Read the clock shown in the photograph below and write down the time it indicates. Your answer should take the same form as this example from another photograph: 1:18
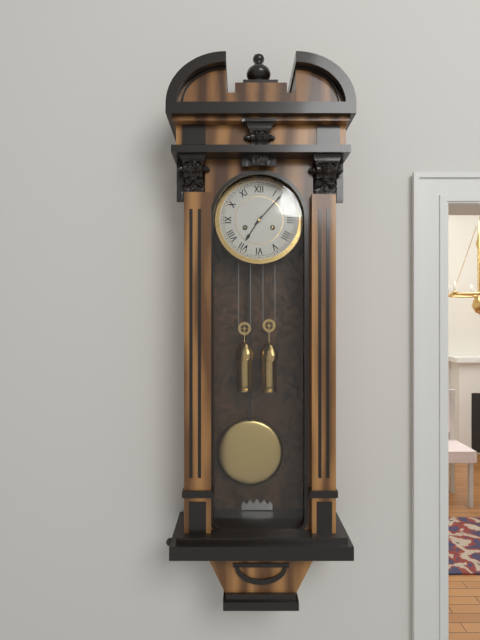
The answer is 7:07
